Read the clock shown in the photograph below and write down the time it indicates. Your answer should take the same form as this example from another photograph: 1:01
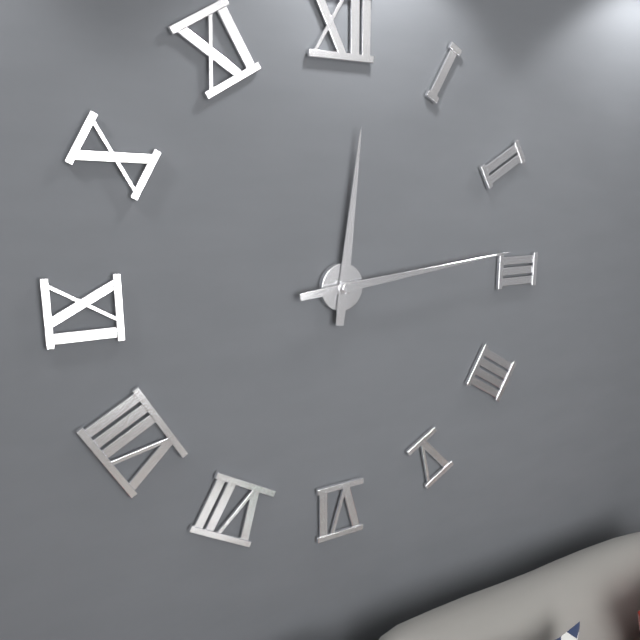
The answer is 12:14
